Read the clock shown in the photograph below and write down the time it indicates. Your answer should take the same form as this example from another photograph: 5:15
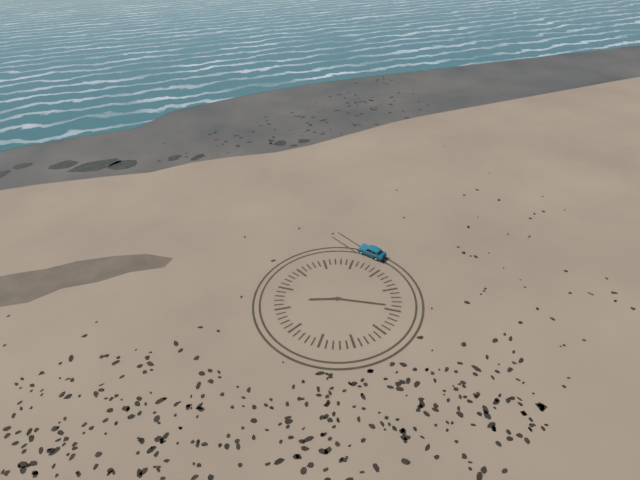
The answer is 10:24
